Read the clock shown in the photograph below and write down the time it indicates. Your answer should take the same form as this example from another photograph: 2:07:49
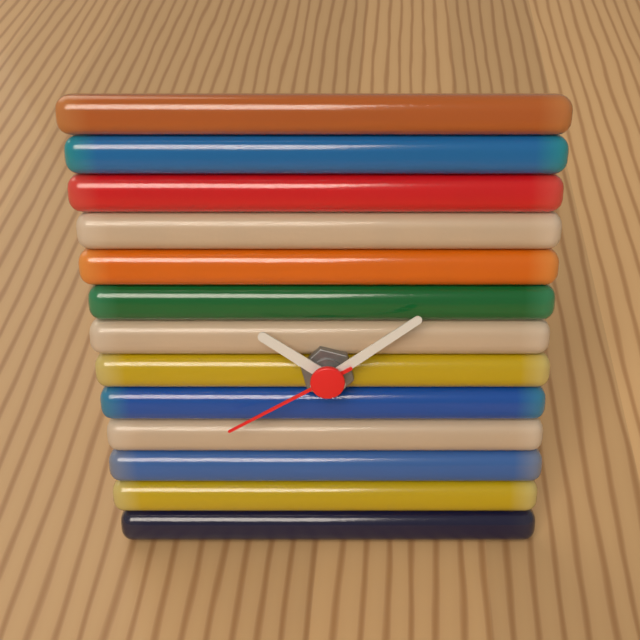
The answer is 10:09:40
